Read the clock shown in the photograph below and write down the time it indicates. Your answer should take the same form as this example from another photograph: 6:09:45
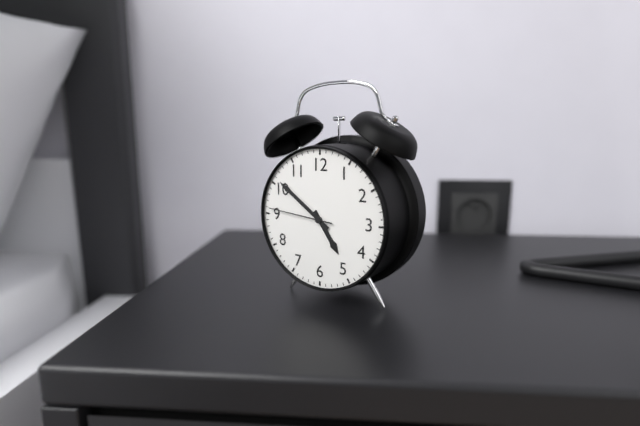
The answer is 4:51:46
